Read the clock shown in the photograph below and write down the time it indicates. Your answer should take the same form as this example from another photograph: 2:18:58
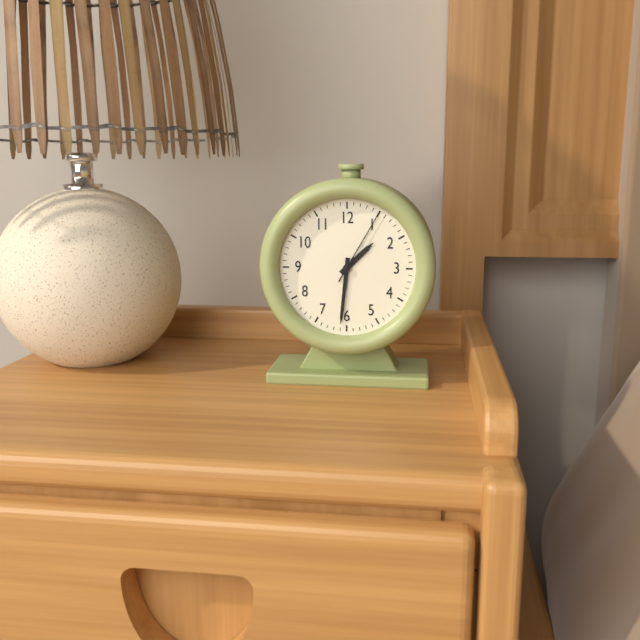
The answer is 1:31:05
